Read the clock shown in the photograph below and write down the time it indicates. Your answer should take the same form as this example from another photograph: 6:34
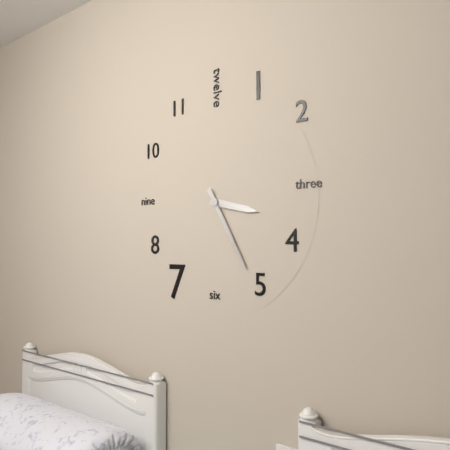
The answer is 3:25
